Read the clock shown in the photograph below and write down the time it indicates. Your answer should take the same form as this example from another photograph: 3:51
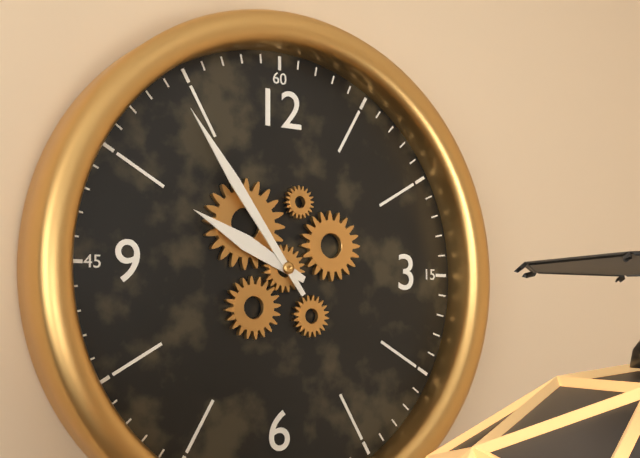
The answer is 9:54
